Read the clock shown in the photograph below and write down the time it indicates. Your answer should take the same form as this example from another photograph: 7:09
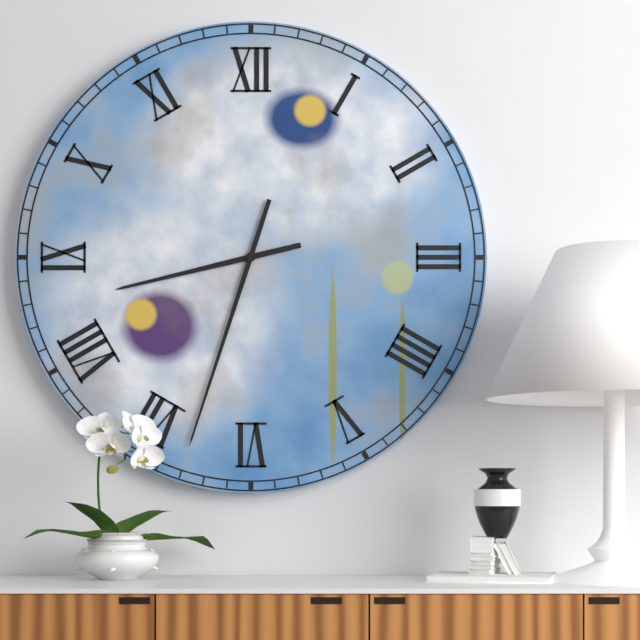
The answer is 8:33
